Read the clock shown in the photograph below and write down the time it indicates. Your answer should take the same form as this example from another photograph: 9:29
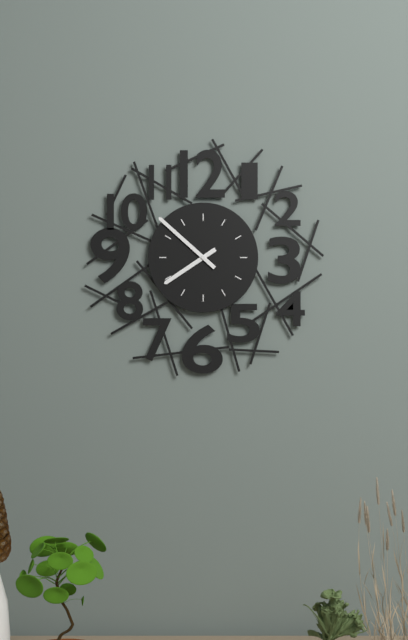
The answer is 7:52
